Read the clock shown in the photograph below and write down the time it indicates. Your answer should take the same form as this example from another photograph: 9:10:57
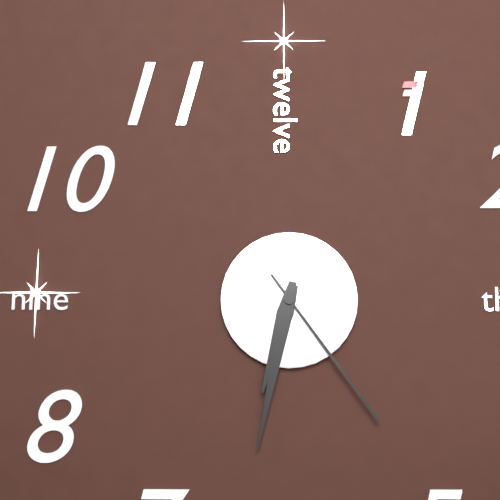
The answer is 6:32:24
